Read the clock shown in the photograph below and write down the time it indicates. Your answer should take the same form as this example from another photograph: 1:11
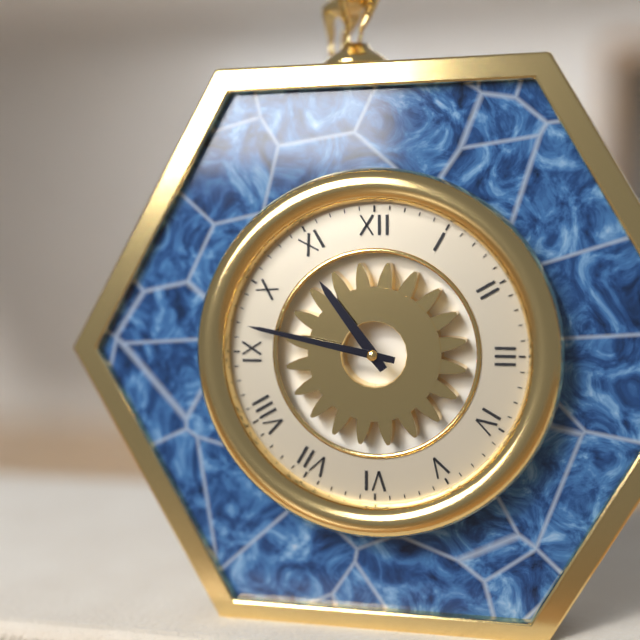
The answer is 10:47
